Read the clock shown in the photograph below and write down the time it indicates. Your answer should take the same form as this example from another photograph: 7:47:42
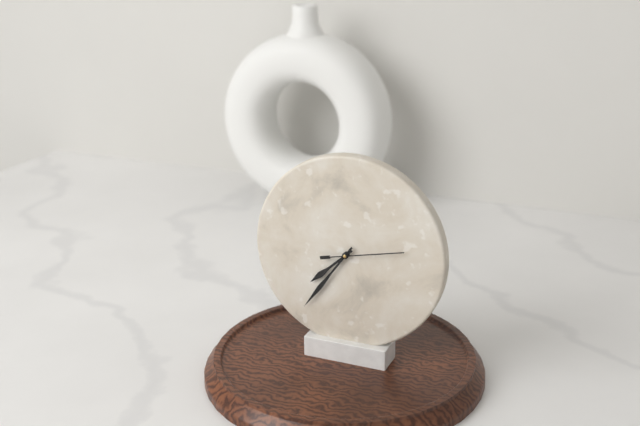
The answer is 7:36:13
